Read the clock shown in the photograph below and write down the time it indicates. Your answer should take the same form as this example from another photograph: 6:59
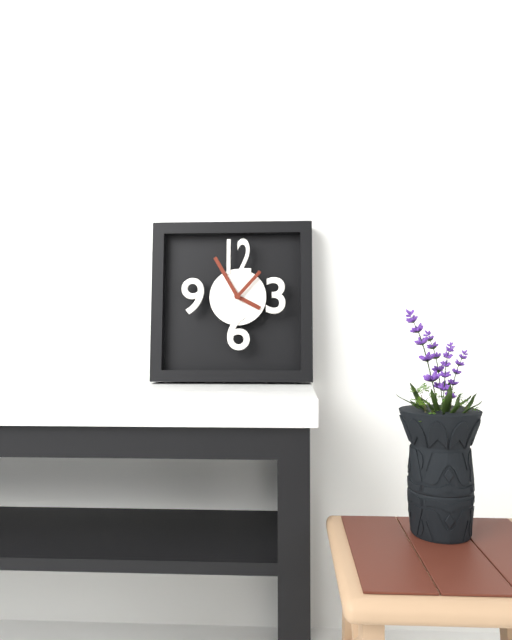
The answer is 3:55
